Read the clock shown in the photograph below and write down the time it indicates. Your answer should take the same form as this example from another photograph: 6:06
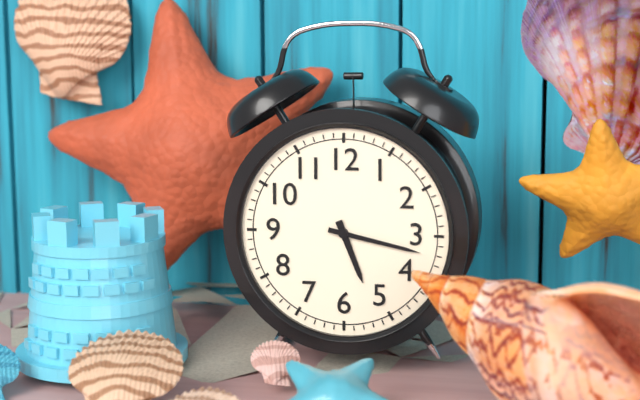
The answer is 5:17
